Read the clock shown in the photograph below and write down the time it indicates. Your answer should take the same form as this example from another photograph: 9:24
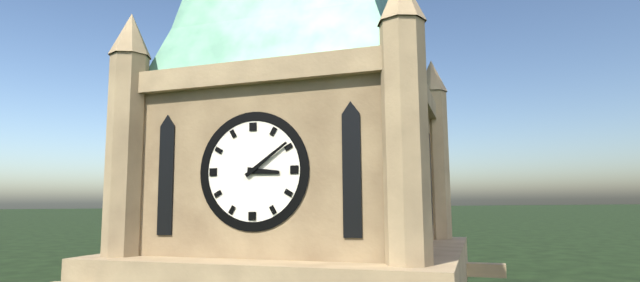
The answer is 3:09
